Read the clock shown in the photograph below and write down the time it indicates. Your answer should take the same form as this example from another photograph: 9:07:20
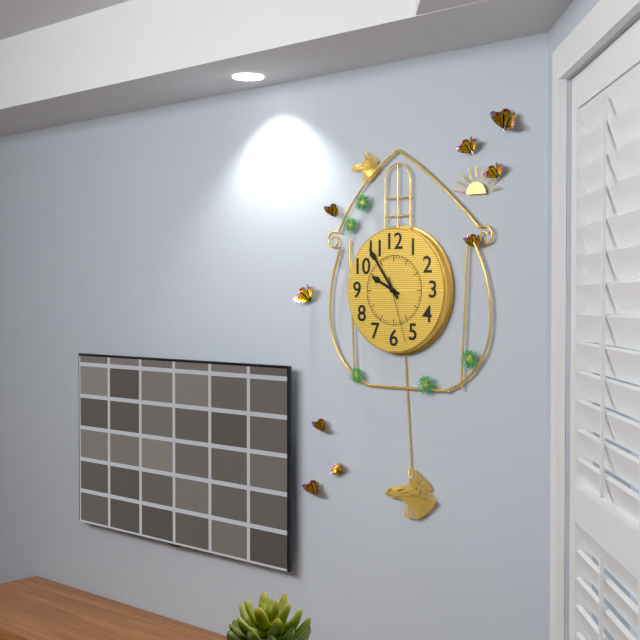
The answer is 9:54:27
